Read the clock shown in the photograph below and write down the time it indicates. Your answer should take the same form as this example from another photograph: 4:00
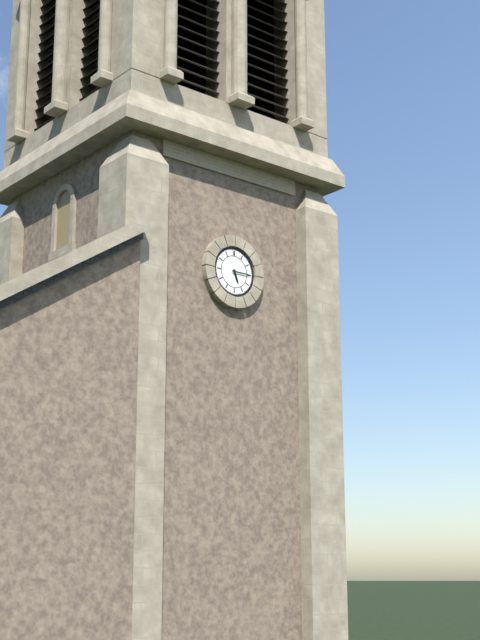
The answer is 5:15
